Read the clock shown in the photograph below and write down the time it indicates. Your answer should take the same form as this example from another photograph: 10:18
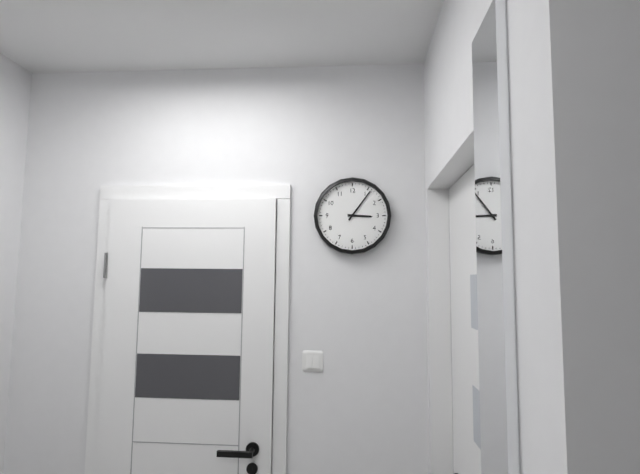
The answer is 3:06
